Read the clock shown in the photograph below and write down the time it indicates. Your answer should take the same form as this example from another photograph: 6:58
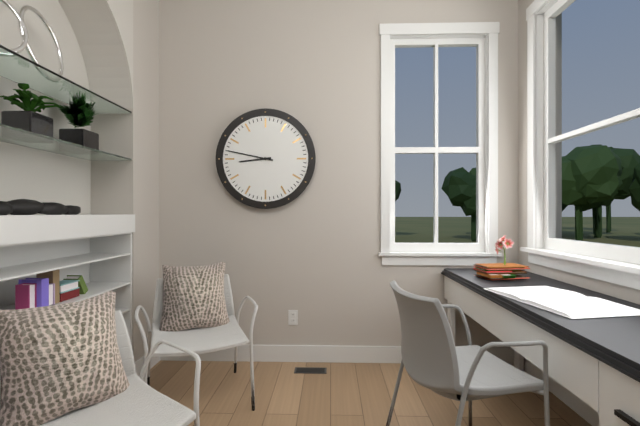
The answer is 8:47
